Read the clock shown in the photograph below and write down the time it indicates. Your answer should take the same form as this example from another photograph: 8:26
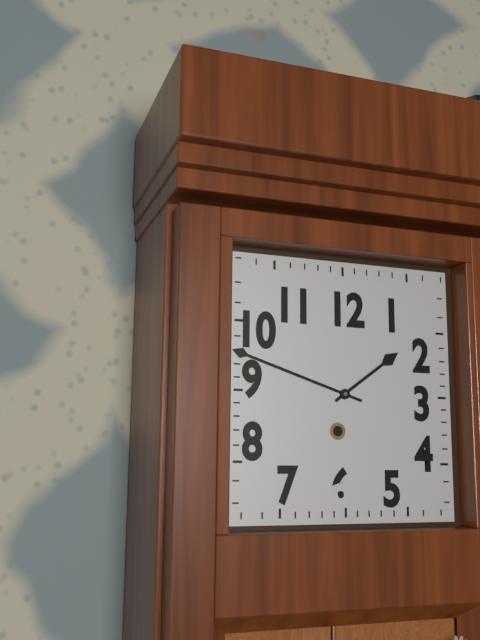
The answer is 1:48
